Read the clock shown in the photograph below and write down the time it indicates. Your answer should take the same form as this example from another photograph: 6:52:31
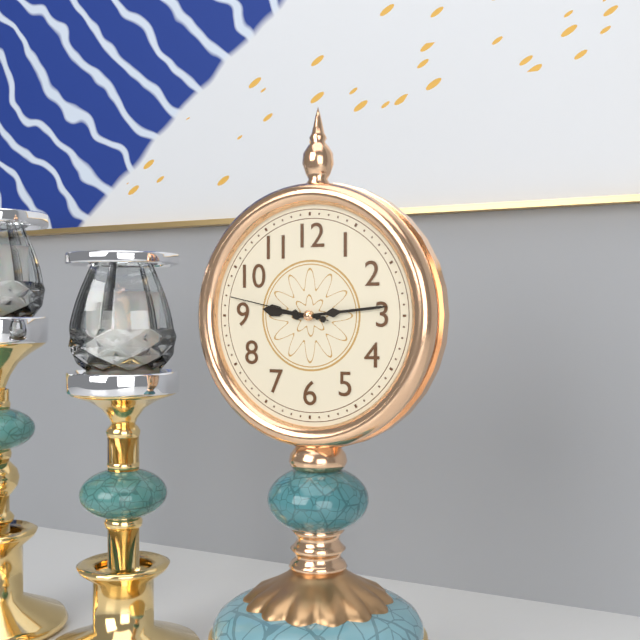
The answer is 9:14:47
